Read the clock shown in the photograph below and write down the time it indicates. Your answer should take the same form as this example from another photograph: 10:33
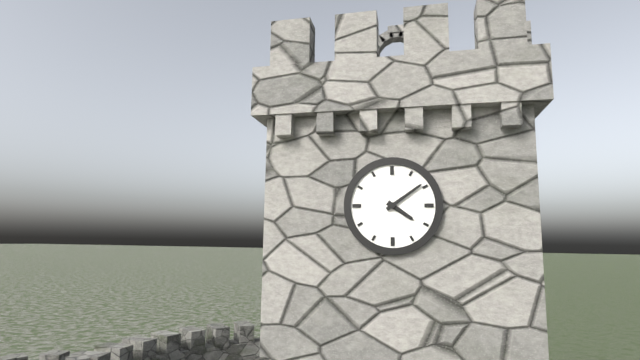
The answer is 4:09
